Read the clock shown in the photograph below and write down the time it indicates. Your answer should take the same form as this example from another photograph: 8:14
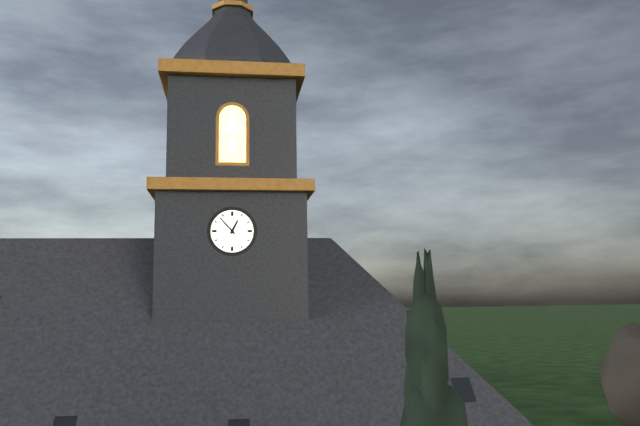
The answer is 12:53
